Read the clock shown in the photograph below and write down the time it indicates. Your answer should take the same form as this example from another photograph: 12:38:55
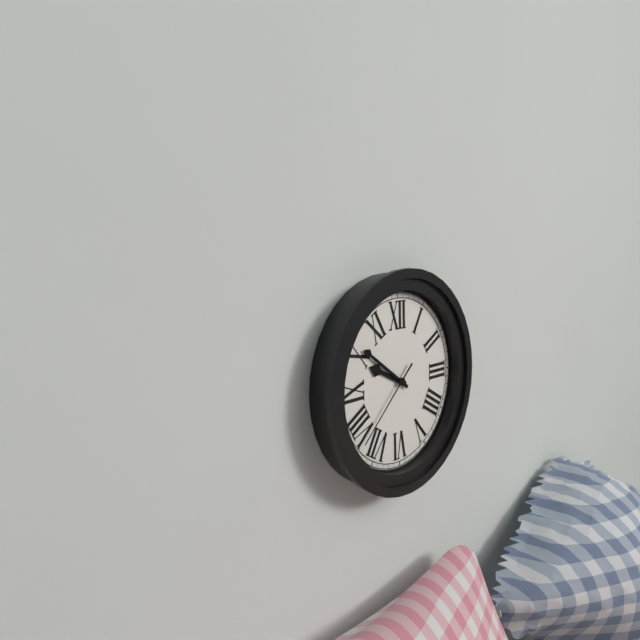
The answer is 9:51:38
